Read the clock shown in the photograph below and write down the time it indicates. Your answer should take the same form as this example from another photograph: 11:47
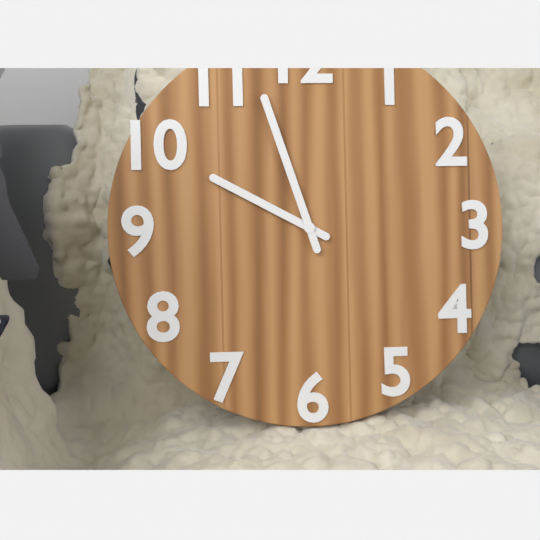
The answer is 9:57
